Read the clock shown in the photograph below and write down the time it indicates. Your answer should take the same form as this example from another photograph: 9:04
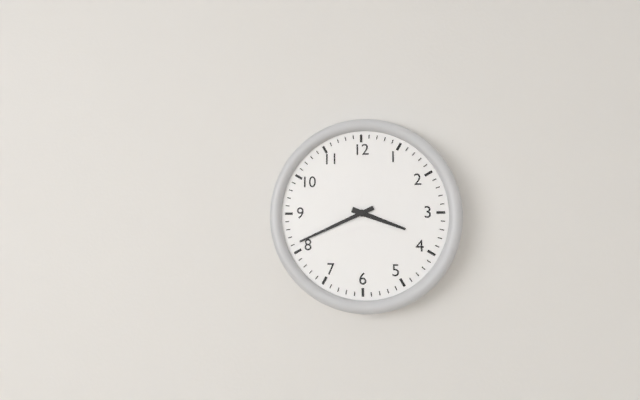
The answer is 3:41
